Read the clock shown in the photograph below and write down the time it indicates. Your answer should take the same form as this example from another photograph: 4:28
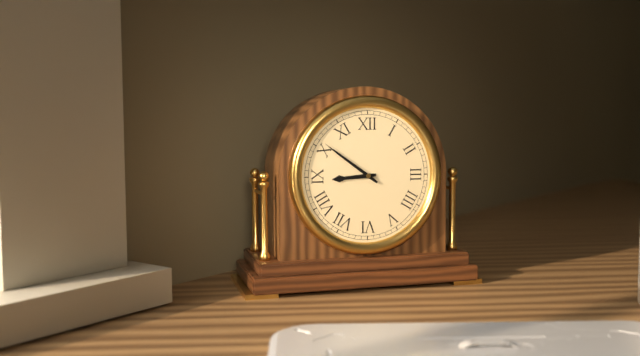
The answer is 8:51
